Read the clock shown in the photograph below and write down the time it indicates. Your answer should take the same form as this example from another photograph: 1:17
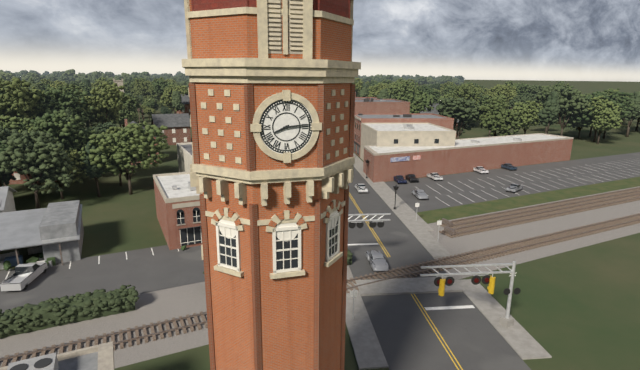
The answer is 8:14
